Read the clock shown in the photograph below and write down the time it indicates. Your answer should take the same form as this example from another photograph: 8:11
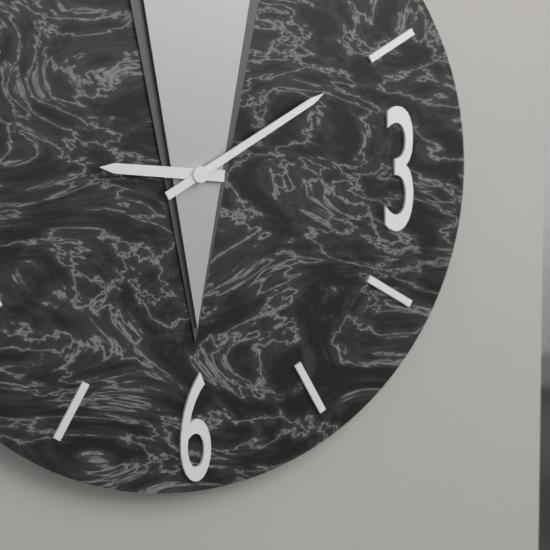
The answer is 9:10
